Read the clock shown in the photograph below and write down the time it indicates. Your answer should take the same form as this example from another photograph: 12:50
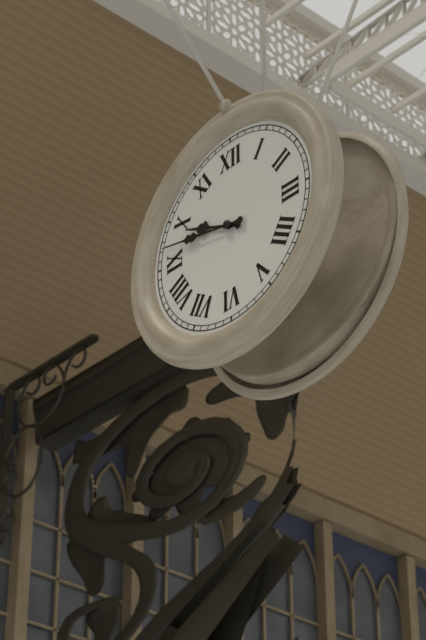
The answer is 9:47
